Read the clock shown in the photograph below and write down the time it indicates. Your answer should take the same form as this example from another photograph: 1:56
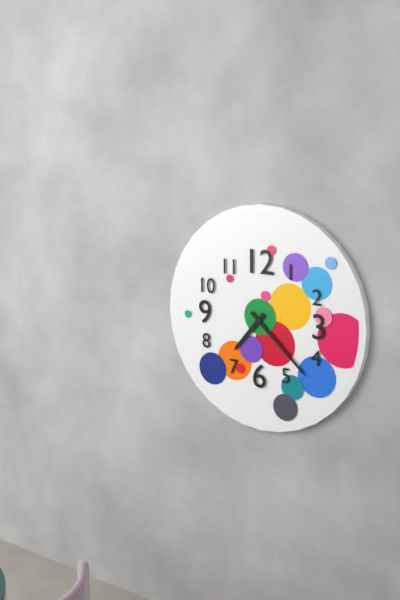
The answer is 7:22
